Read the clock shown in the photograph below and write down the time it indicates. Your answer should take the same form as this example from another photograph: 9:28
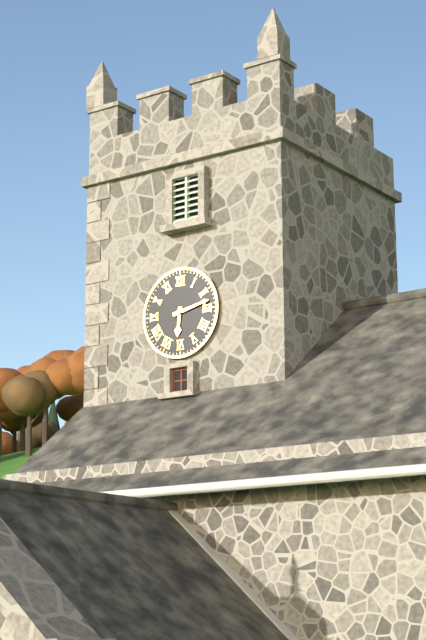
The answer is 6:13
